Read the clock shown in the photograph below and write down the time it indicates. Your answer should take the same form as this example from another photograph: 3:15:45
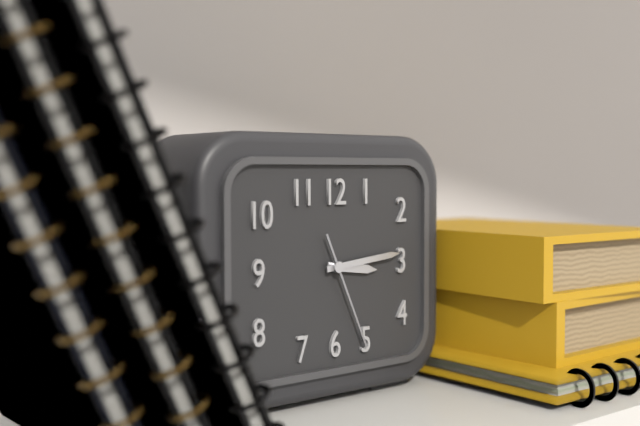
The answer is 3:14:26
